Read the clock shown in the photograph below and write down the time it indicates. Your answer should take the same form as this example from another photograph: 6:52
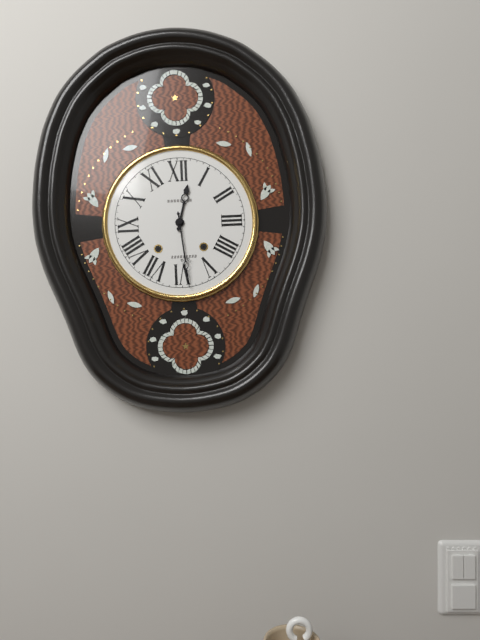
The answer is 12:29
